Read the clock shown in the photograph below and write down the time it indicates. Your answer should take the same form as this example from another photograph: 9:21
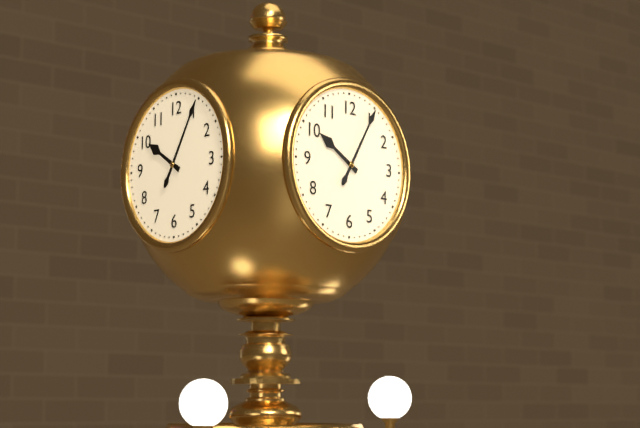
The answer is 10:05
